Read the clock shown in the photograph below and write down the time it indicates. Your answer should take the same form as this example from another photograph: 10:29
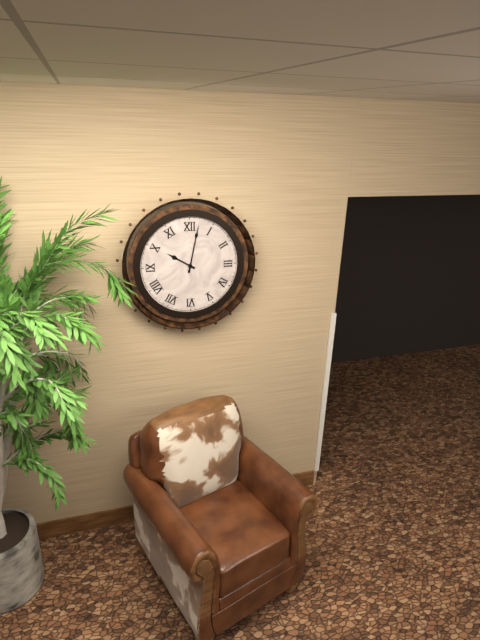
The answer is 10:02
